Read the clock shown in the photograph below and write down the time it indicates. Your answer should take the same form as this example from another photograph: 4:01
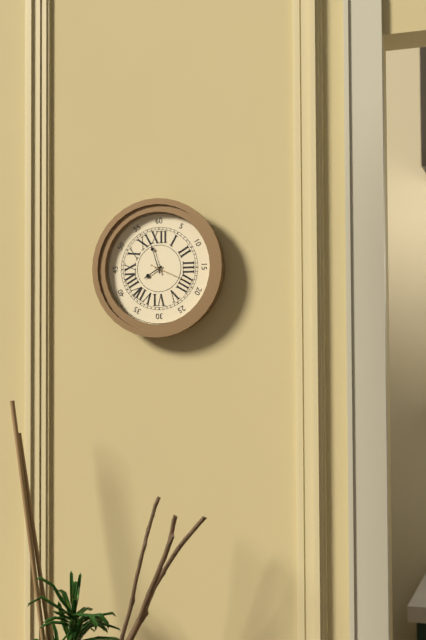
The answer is 7:57
